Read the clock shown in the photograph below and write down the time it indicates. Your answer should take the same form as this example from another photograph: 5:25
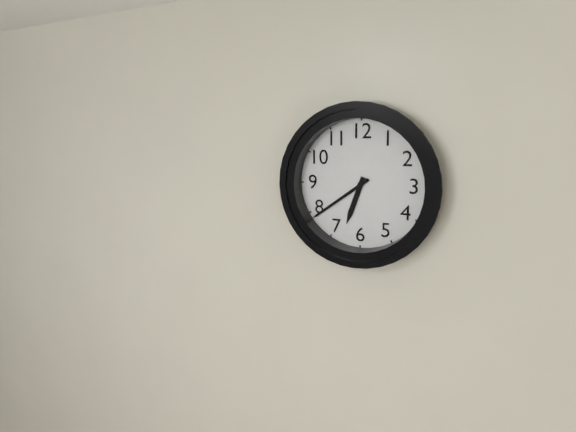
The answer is 6:39
